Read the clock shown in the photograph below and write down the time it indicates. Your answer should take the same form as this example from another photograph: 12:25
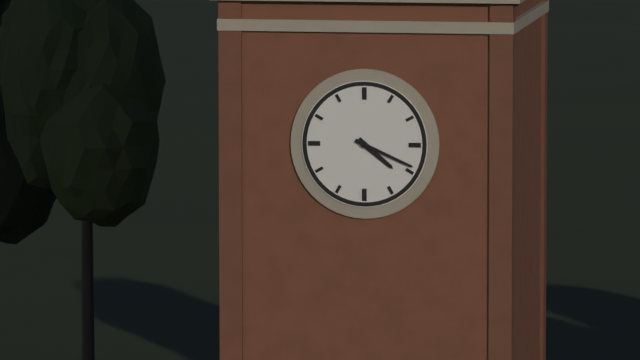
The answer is 4:19
